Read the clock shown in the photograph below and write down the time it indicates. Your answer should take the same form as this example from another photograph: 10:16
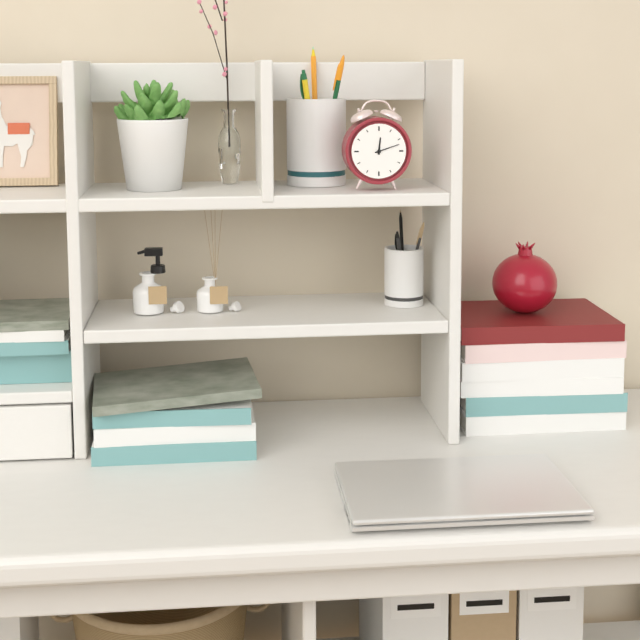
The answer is 12:12
